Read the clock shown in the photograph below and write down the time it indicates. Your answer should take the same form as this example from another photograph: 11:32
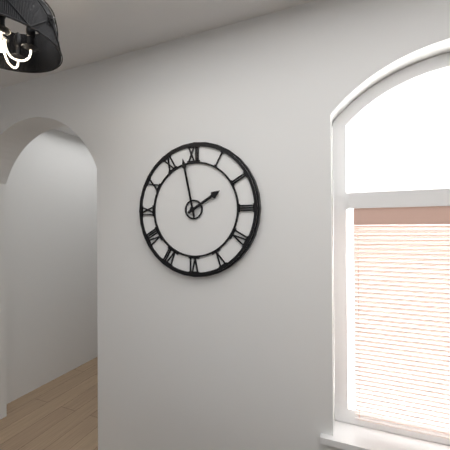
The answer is 1:58
